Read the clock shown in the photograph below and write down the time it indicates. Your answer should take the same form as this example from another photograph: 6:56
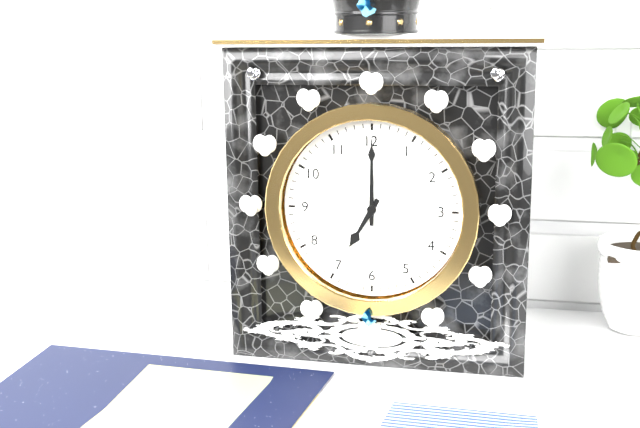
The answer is 7:00
